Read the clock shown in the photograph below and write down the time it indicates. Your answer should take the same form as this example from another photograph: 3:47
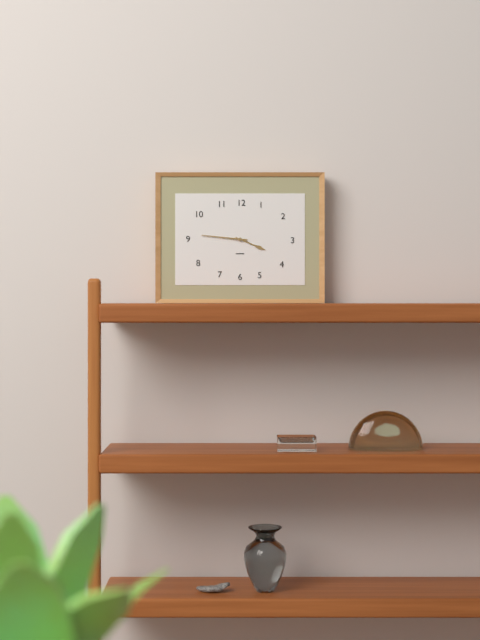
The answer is 3:46
